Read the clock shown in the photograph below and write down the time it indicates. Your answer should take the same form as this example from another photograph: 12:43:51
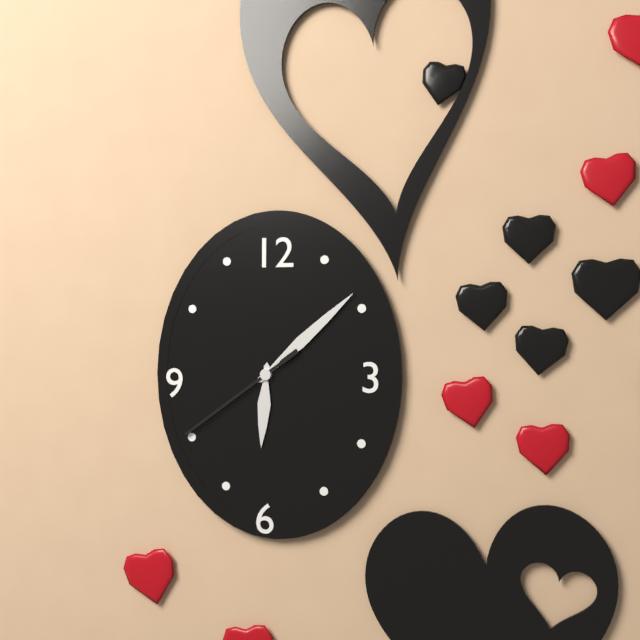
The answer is 6:08:39
